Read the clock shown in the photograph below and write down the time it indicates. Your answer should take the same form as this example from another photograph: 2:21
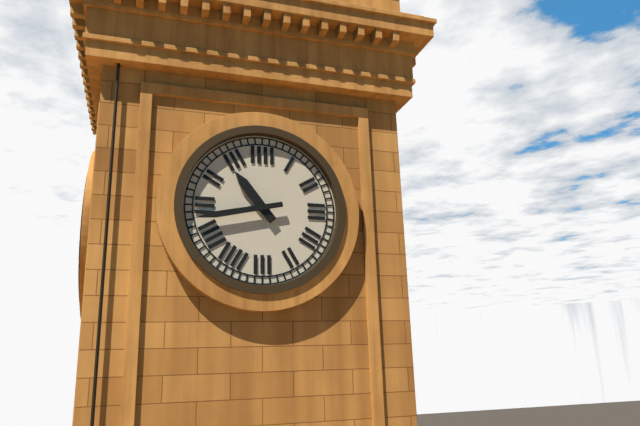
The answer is 10:43
